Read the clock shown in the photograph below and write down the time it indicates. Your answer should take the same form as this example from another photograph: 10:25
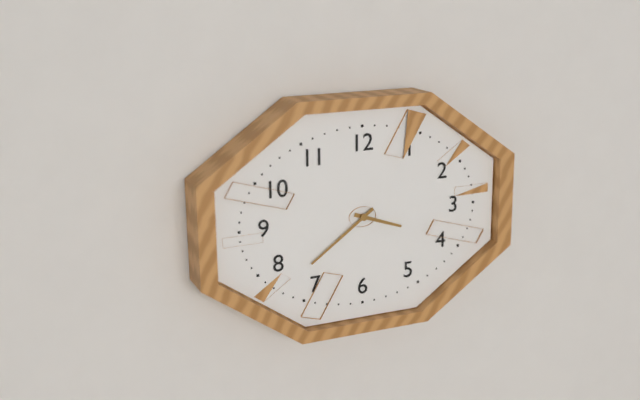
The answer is 3:39
